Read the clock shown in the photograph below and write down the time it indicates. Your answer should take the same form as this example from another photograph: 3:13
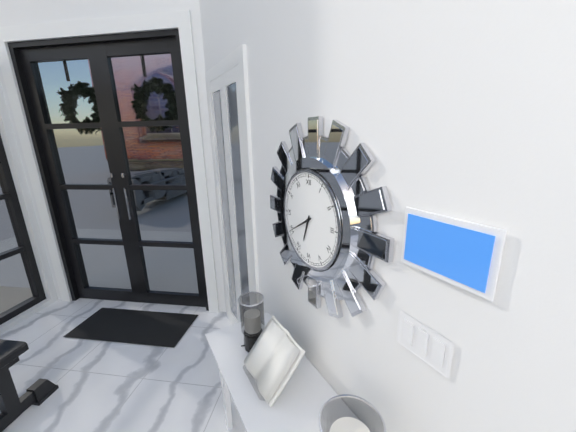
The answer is 6:40
